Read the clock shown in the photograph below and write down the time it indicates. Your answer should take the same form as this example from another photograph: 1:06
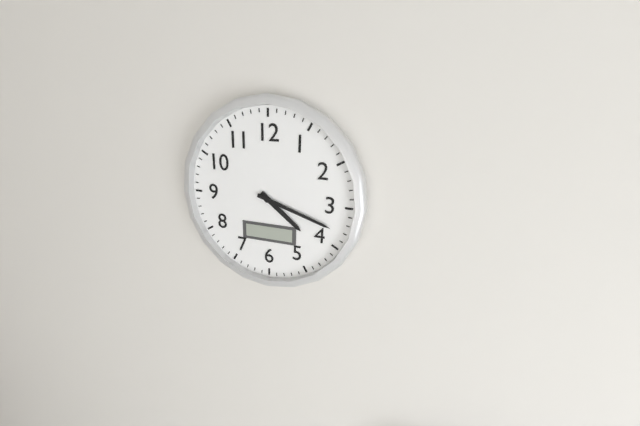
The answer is 4:18
